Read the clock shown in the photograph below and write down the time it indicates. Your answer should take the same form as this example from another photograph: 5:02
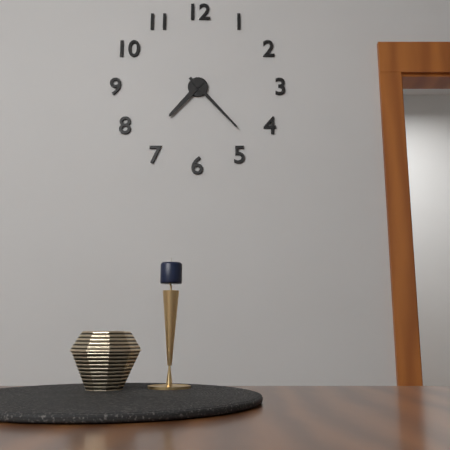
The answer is 7:23
